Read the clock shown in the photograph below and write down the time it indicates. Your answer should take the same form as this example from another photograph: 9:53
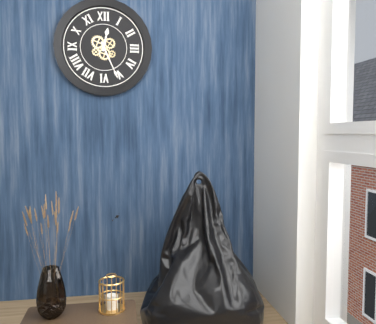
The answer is 12:26
